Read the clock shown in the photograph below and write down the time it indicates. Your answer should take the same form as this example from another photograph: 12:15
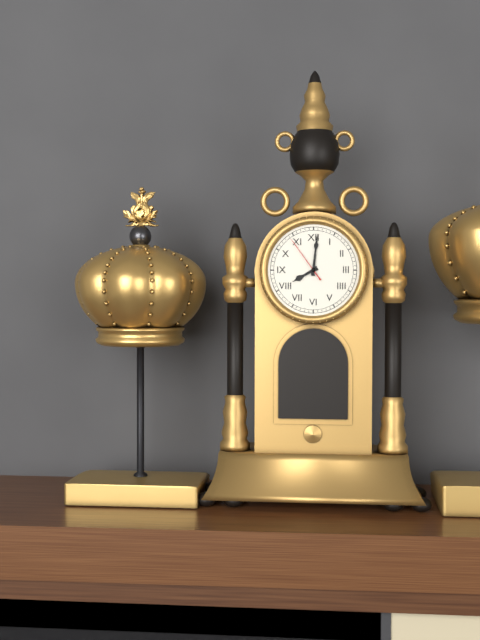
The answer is 8:01
